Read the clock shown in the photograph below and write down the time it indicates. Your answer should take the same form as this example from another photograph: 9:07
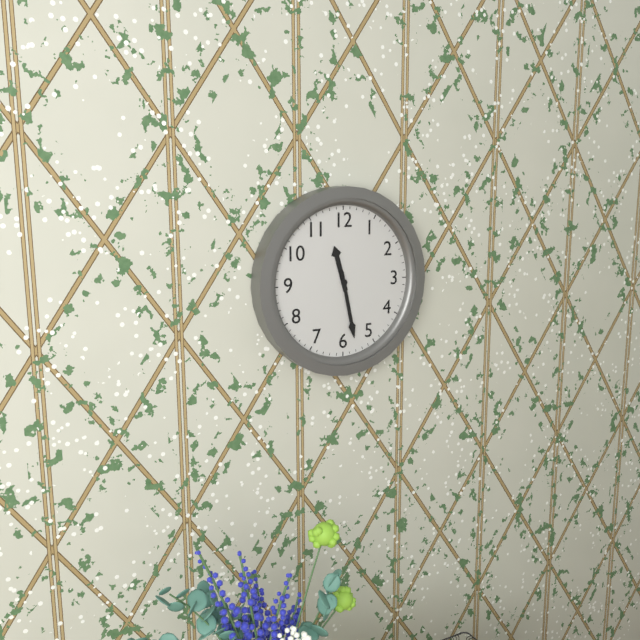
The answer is 11:28
